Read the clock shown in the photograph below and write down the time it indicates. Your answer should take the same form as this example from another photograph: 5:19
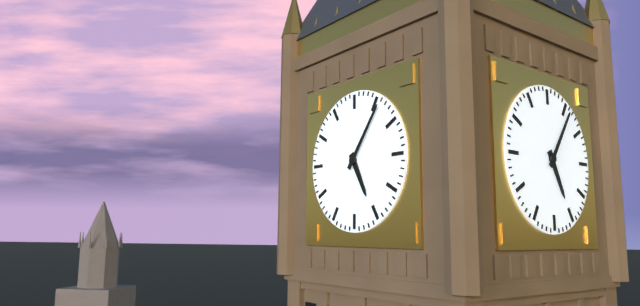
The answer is 5:06
